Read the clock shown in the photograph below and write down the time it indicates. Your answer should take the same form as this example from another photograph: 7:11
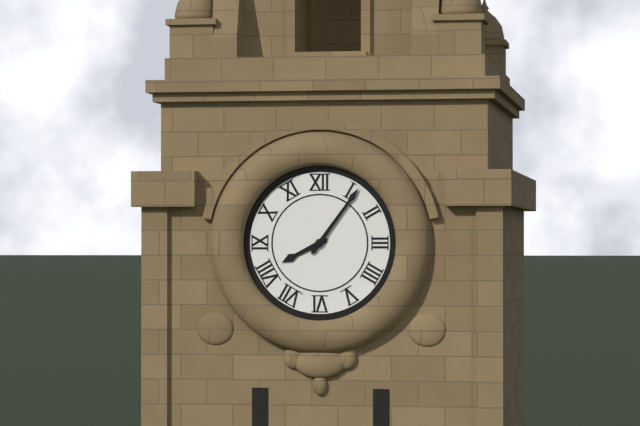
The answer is 8:06
